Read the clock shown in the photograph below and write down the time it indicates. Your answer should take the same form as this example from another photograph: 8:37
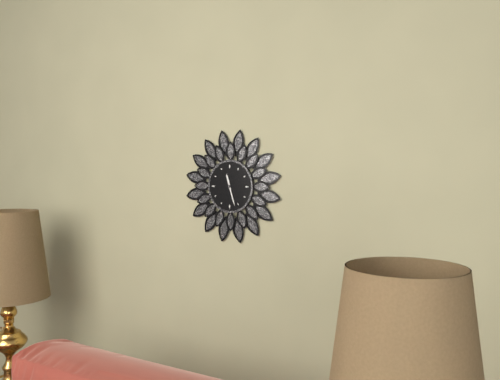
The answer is 11:27
